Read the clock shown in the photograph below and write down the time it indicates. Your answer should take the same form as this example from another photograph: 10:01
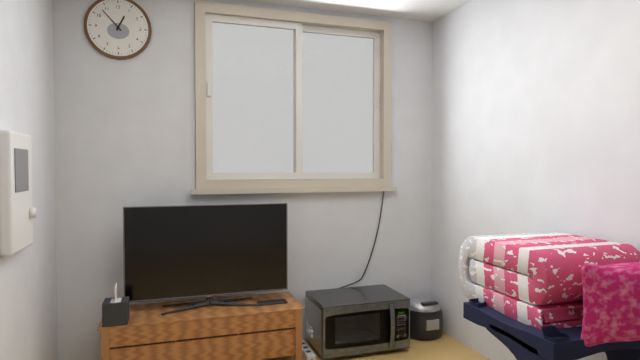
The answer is 12:53
